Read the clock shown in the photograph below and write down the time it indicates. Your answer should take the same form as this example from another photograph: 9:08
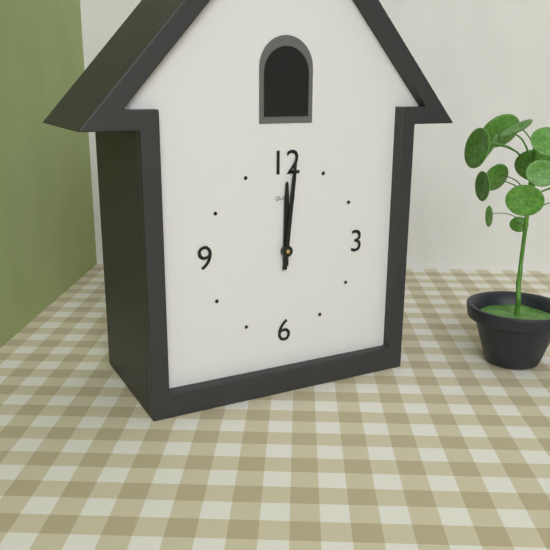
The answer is 12:01
